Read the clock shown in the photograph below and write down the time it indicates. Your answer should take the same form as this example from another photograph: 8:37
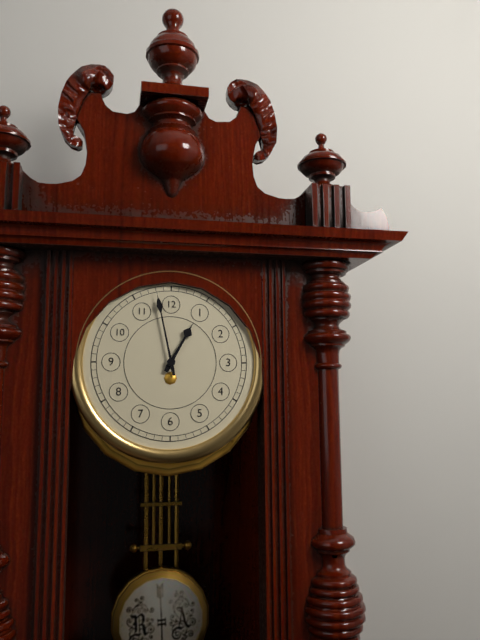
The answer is 12:58
